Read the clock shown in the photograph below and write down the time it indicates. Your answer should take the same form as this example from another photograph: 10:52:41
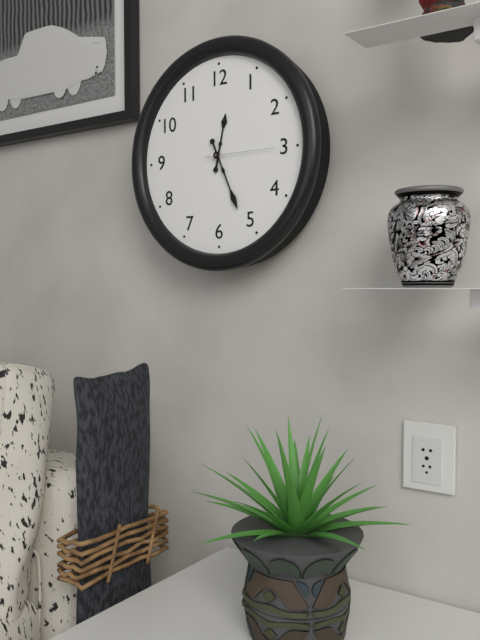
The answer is 12:26:15
